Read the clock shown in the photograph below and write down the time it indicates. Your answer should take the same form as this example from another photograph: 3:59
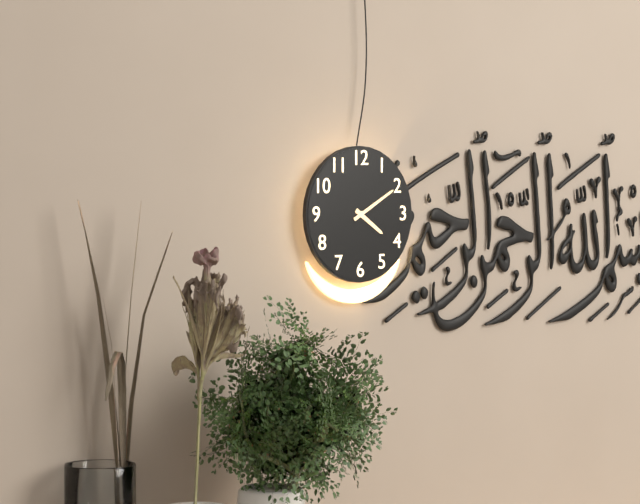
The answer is 4:10
